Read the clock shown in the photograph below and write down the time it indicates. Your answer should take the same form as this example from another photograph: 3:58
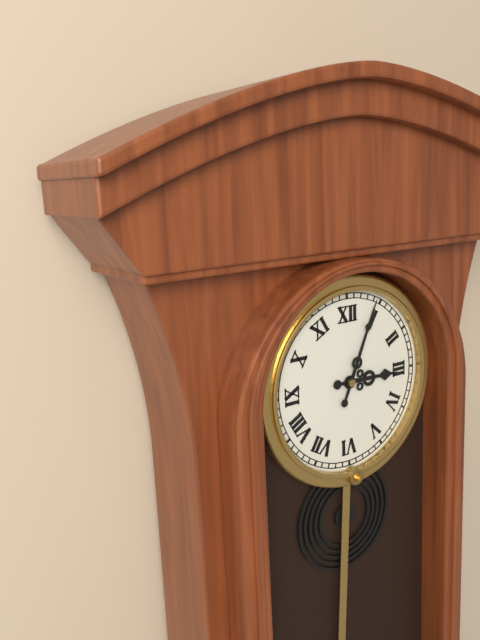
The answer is 3:04
